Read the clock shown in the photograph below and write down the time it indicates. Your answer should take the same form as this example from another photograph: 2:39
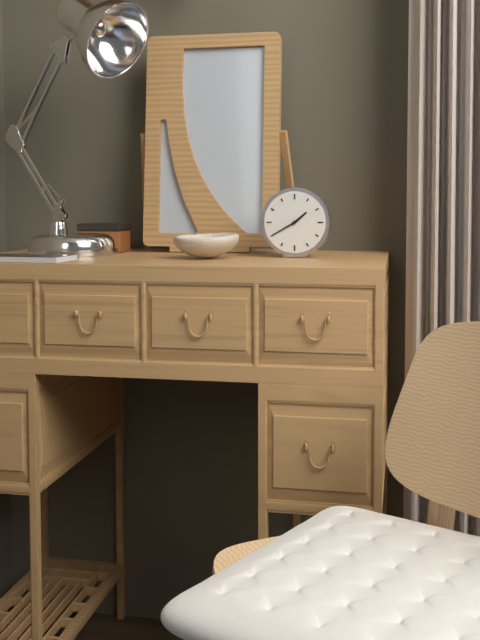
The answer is 1:40
